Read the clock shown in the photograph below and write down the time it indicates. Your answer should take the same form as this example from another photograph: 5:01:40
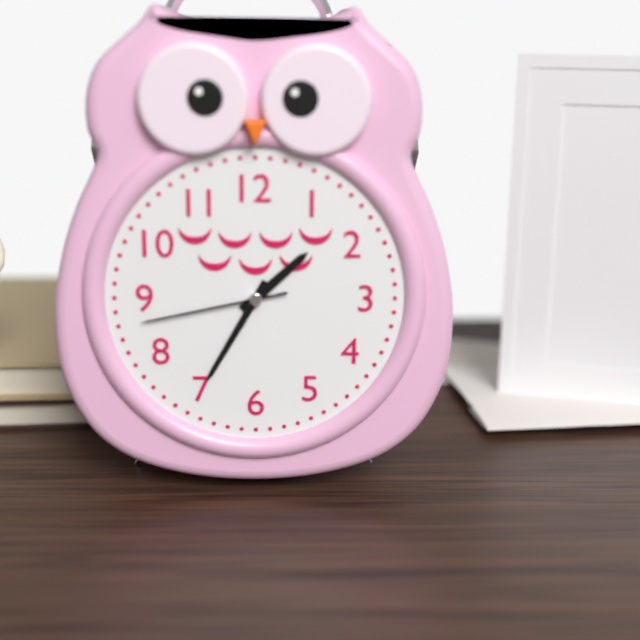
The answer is 1:35:43
